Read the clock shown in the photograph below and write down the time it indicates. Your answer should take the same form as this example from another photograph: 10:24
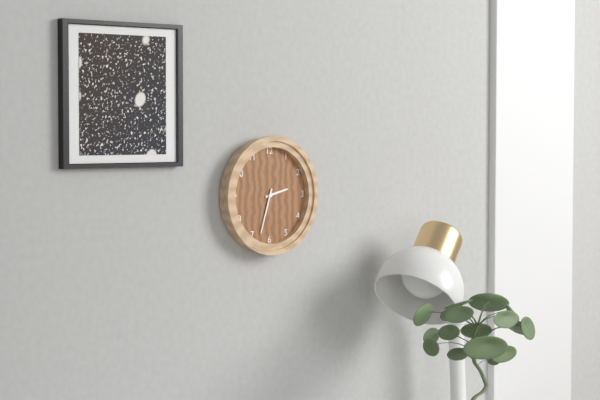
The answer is 2:33
